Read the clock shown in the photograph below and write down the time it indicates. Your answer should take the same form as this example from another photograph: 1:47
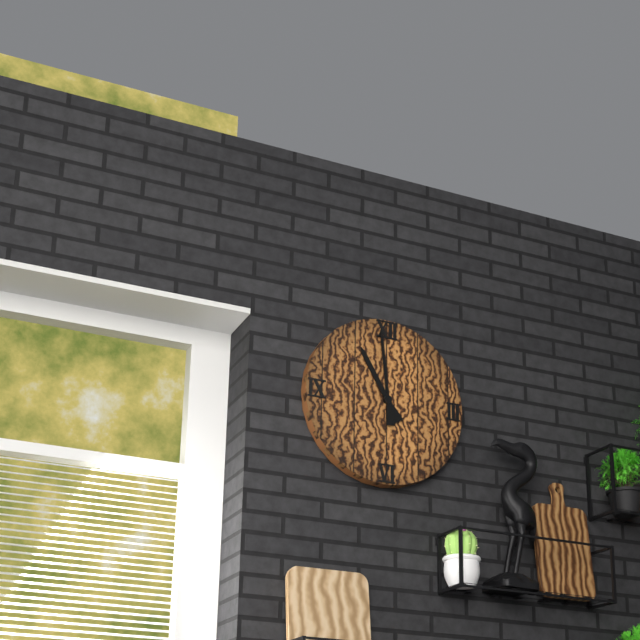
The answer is 10:59
